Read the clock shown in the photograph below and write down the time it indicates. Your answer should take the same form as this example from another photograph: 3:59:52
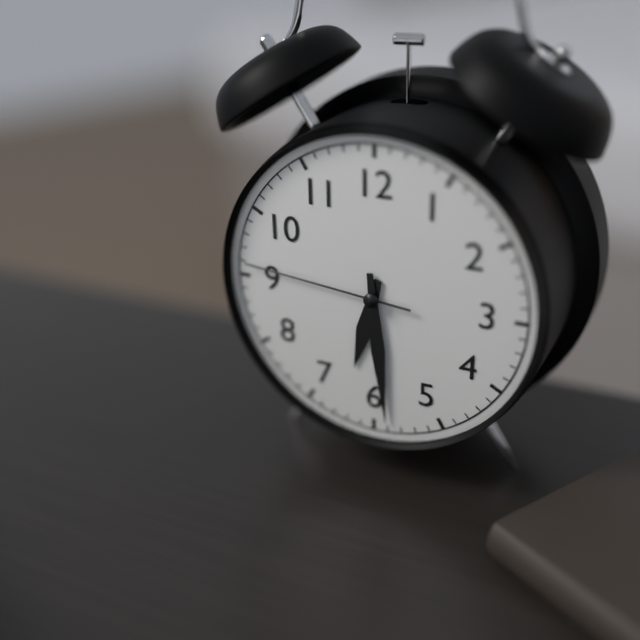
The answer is 6:29:46
